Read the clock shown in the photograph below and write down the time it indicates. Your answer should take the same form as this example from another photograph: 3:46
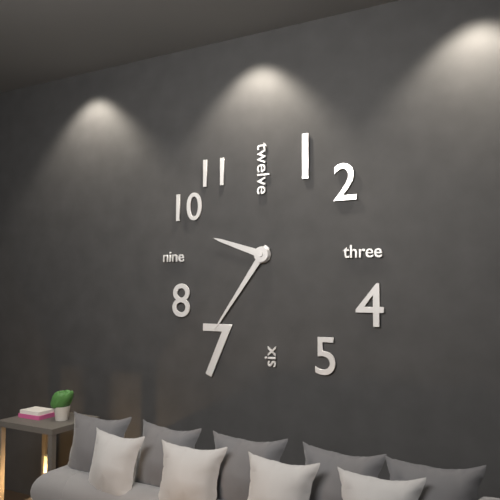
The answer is 9:36
